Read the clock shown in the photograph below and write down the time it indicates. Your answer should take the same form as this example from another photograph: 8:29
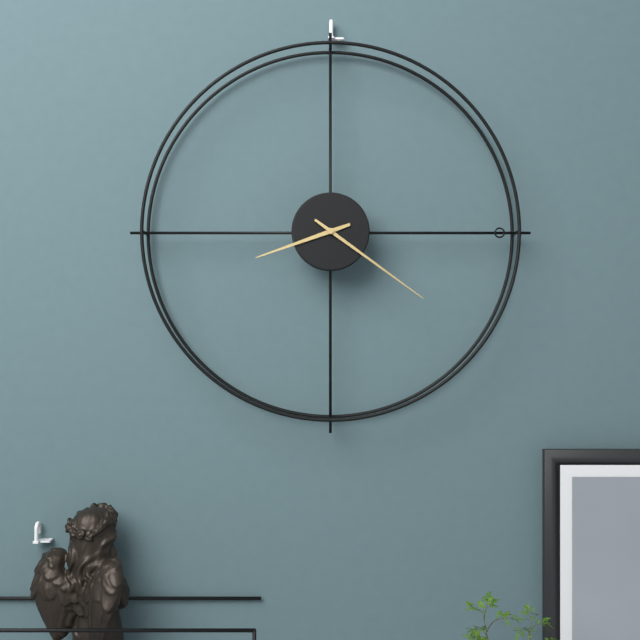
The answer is 8:21
